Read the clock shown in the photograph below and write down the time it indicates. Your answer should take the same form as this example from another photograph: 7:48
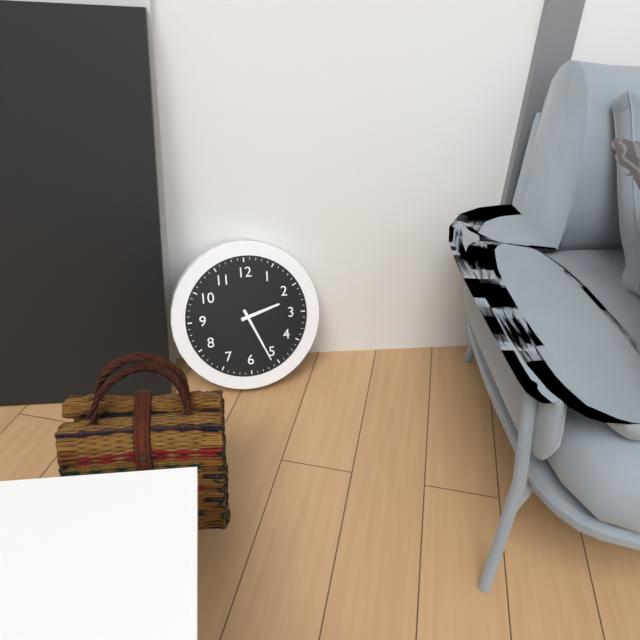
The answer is 2:26
